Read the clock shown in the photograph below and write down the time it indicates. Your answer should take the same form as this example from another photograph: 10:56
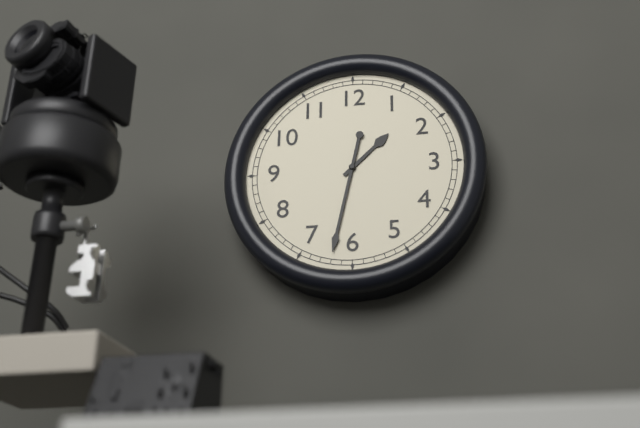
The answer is 1:32
